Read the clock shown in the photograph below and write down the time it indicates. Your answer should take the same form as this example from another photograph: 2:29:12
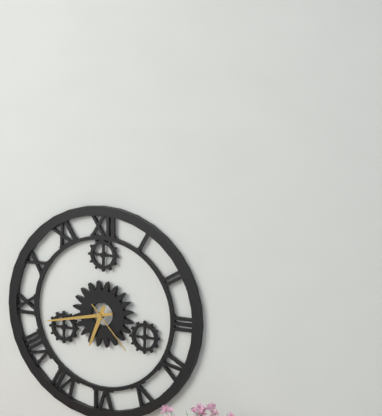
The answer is 6:43:23
